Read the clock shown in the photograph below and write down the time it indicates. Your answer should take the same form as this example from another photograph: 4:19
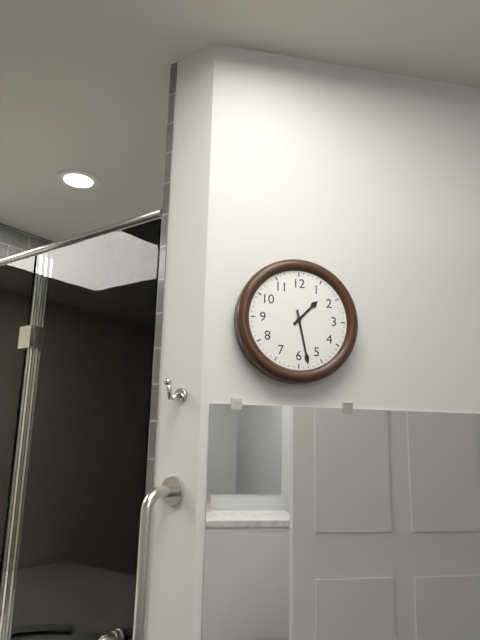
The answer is 1:28
